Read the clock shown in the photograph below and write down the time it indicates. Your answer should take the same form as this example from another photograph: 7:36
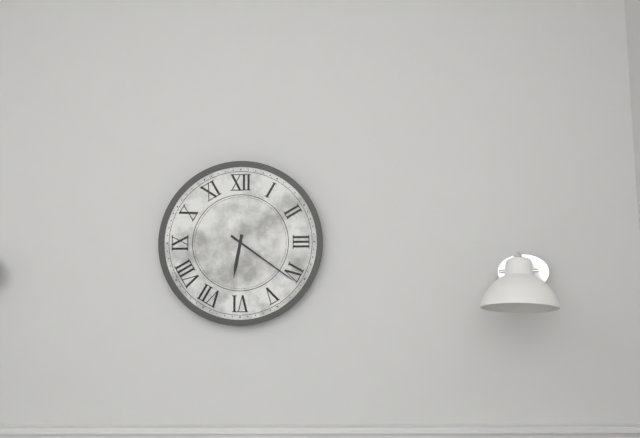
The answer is 6:21
